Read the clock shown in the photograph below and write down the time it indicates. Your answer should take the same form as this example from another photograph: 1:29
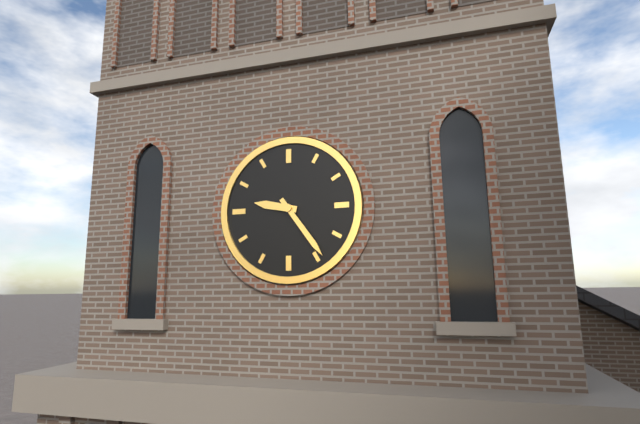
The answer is 9:24
